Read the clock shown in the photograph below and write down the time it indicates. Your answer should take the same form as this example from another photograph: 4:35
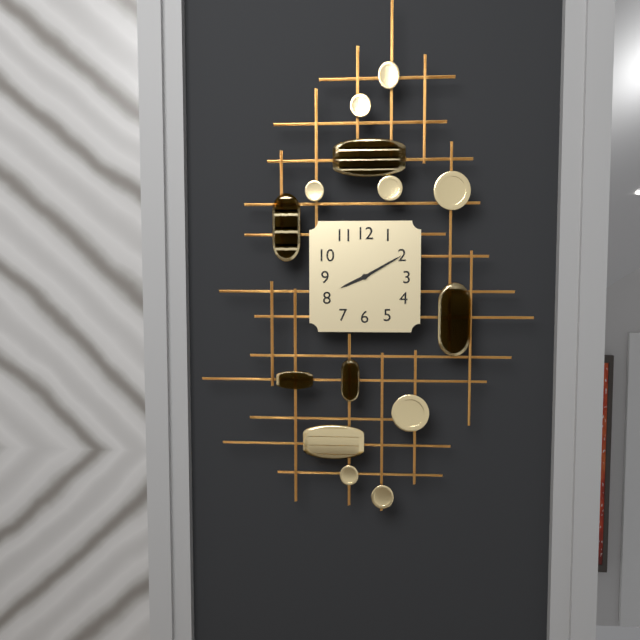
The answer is 8:10
